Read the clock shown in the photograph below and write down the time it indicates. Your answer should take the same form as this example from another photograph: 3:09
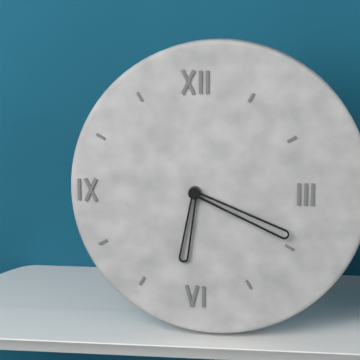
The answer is 6:19
